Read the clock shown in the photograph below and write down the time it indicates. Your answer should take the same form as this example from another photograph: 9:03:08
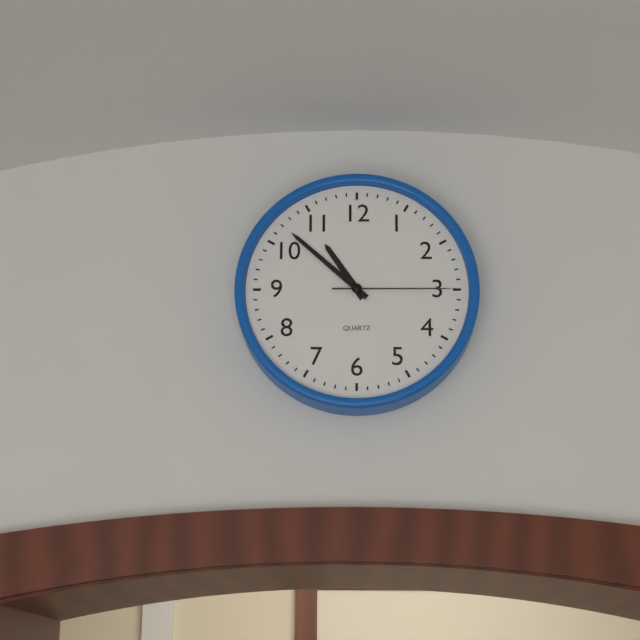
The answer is 10:52:15
